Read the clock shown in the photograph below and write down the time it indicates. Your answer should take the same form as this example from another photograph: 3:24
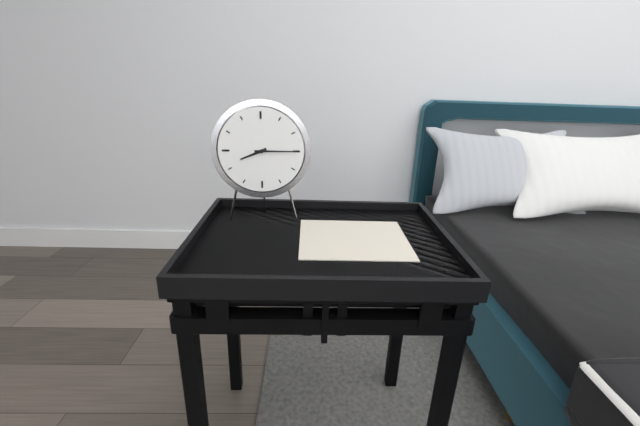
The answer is 8:15
